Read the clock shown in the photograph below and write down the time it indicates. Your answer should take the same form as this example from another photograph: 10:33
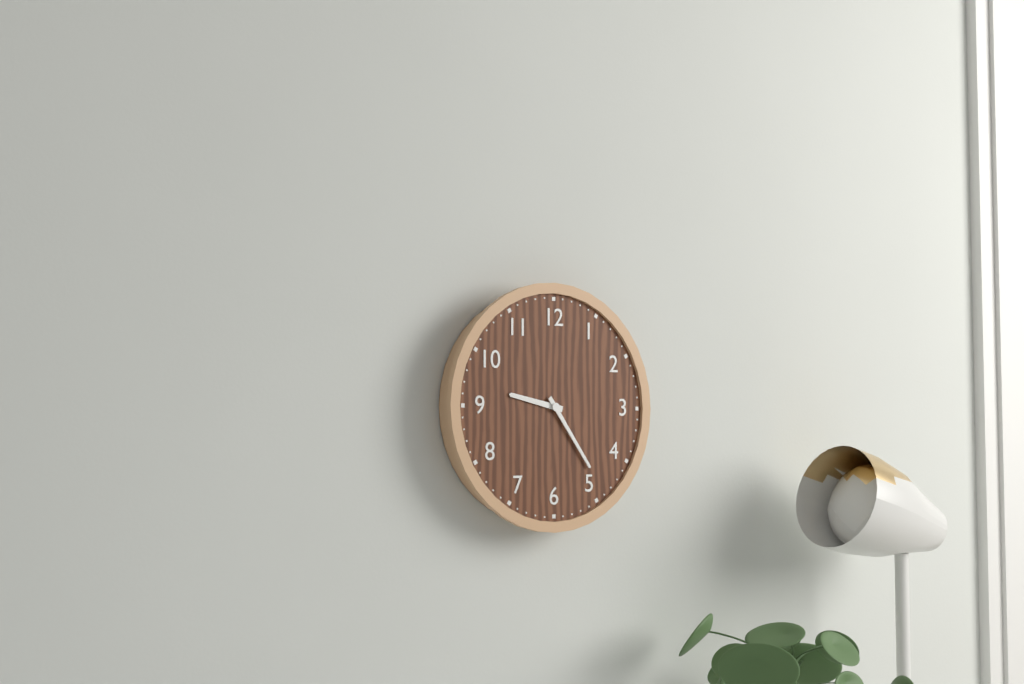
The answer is 9:24
